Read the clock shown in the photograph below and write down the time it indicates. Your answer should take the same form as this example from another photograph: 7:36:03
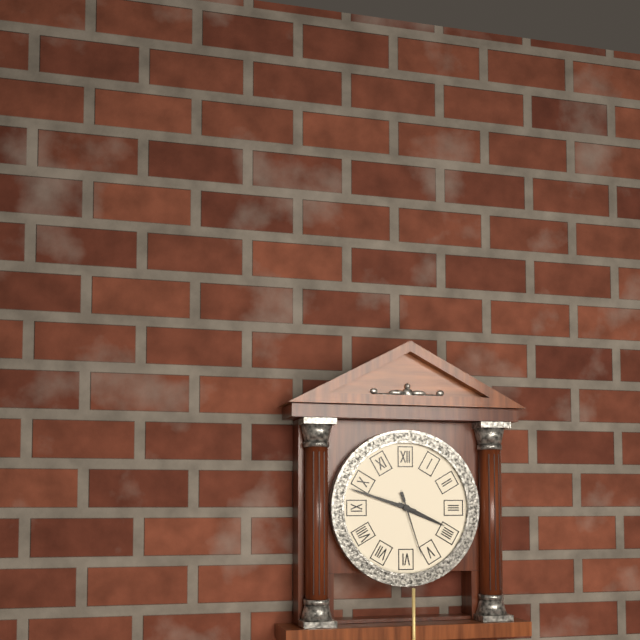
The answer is 3:48:27
